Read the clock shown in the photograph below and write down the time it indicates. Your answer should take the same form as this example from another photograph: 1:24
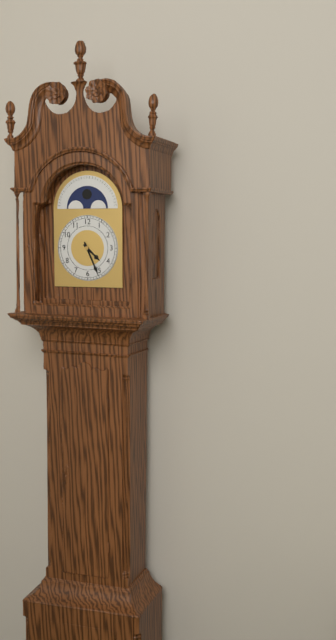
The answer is 4:26
